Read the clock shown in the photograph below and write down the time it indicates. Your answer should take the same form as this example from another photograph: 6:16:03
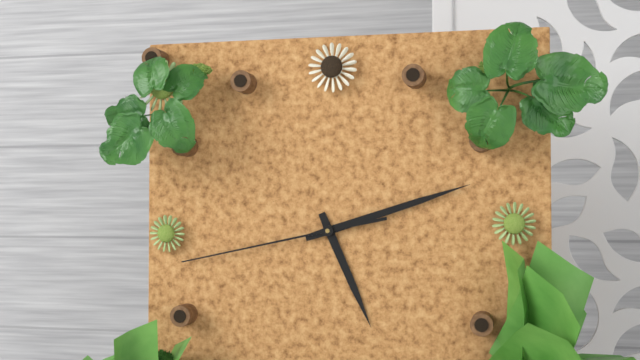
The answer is 5:12:43
